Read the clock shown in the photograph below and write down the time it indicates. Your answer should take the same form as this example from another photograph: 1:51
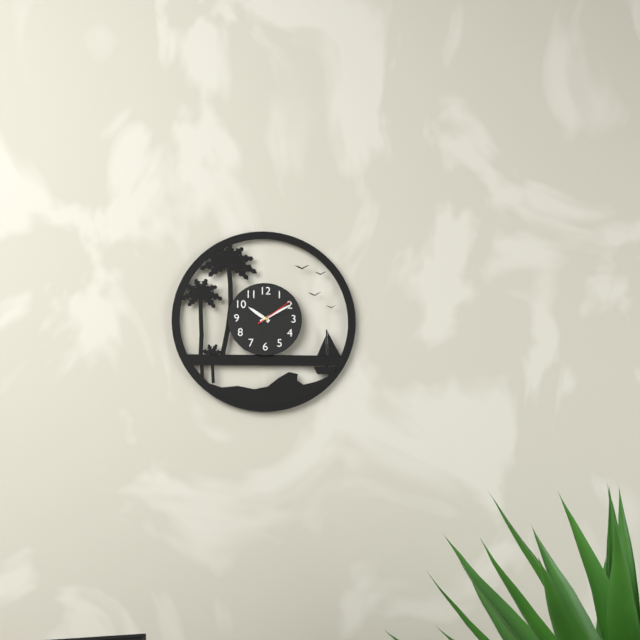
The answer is 10:10
